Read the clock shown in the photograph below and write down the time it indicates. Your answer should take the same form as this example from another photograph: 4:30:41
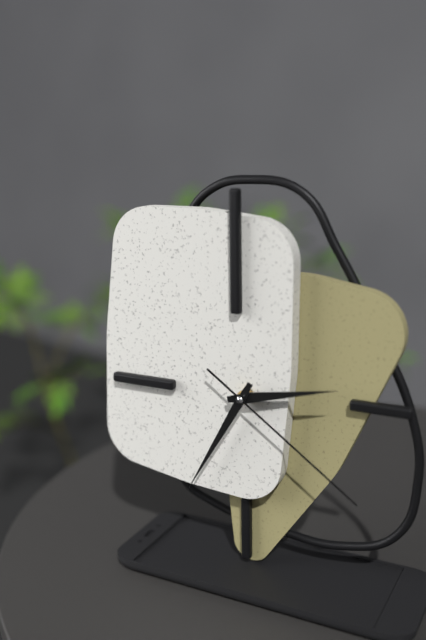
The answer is 2:35:21
